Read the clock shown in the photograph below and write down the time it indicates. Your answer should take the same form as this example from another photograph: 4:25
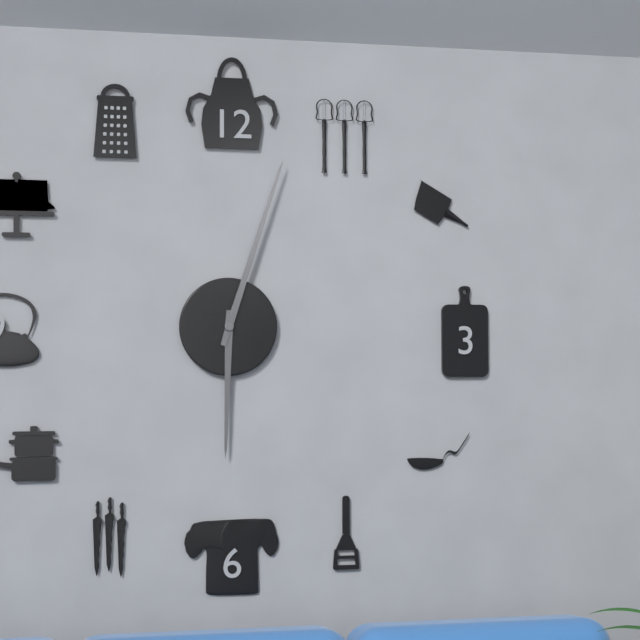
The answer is 6:03
